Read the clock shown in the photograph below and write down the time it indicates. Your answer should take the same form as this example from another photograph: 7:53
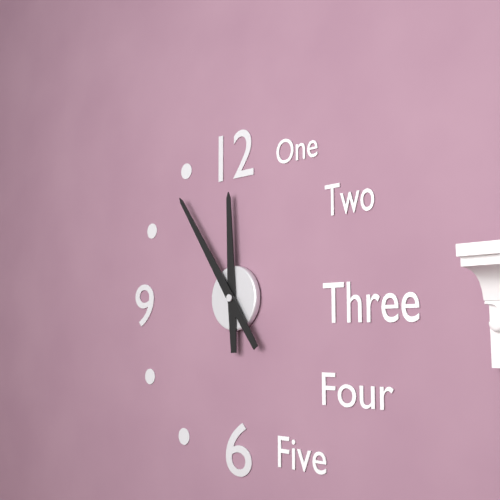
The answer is 11:54
